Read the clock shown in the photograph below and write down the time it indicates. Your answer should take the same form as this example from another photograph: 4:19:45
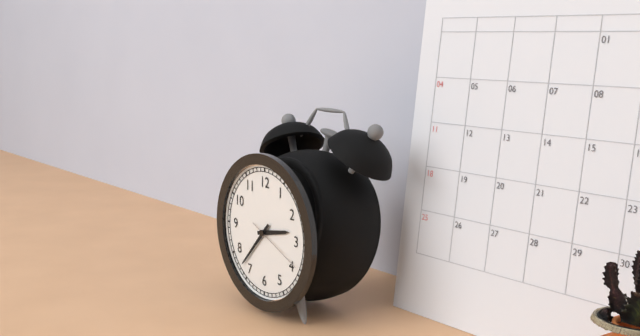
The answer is 2:37:19
